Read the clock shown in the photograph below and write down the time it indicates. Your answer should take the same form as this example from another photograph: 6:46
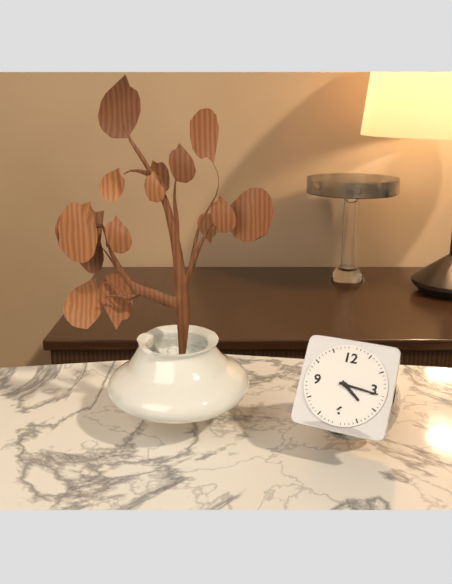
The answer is 4:16
